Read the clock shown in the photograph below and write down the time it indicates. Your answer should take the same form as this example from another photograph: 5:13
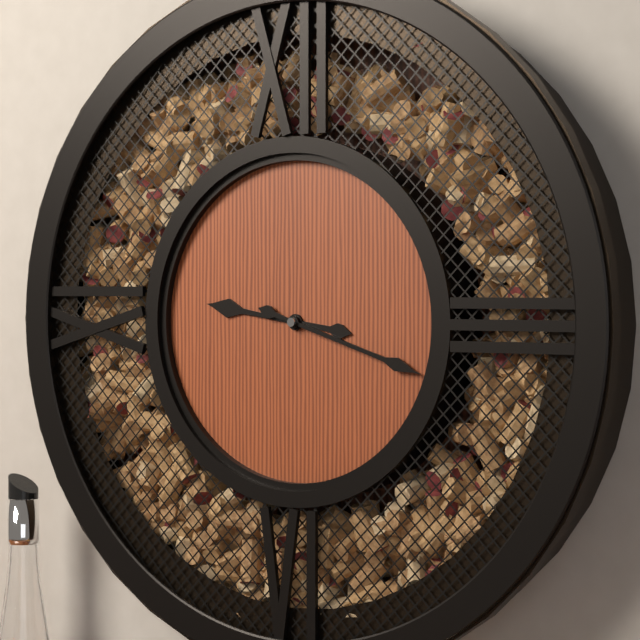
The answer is 9:18
